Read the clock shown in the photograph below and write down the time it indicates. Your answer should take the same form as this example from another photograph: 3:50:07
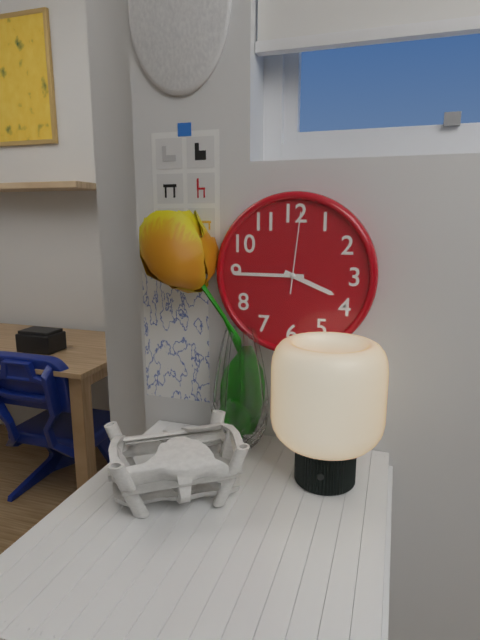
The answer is 3:45:01
